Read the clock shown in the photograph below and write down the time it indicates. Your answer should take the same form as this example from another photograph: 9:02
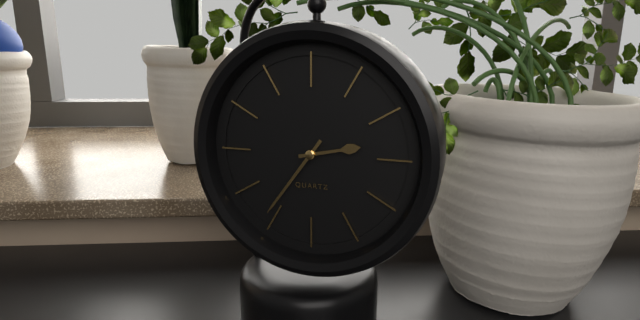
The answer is 2:36
